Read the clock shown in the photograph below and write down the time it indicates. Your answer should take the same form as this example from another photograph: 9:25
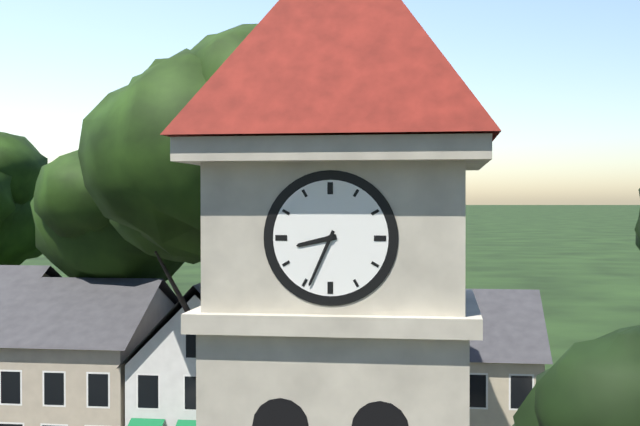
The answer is 8:34
